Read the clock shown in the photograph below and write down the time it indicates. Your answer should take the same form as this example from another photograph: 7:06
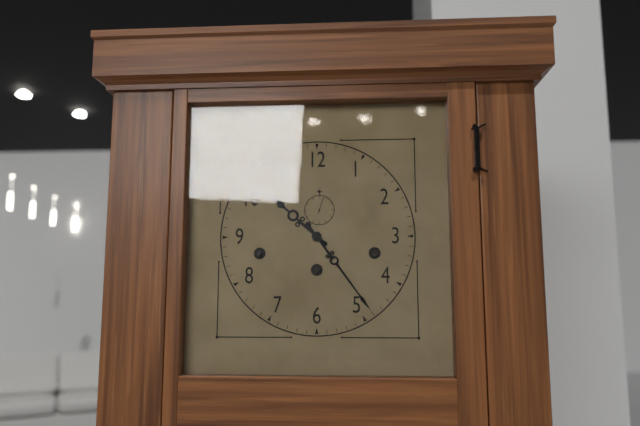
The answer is 10:24
